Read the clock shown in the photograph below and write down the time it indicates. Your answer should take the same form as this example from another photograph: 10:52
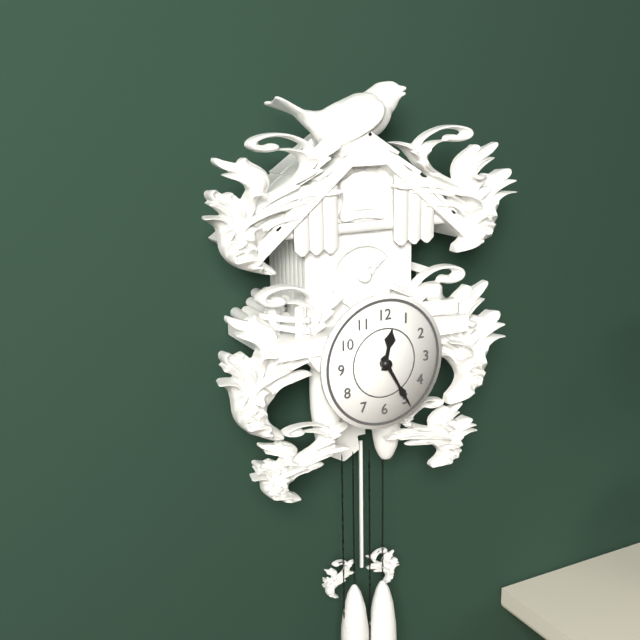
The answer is 12:25
